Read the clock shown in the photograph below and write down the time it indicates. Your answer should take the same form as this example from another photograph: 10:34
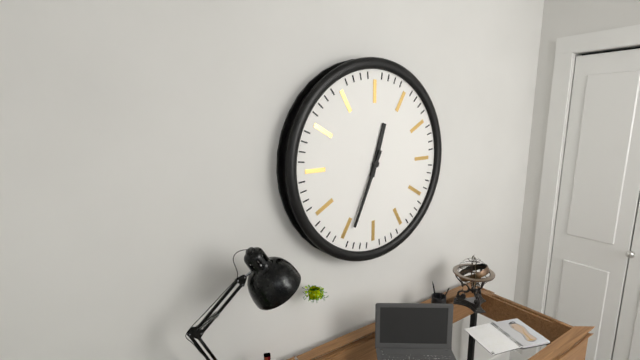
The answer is 12:34
